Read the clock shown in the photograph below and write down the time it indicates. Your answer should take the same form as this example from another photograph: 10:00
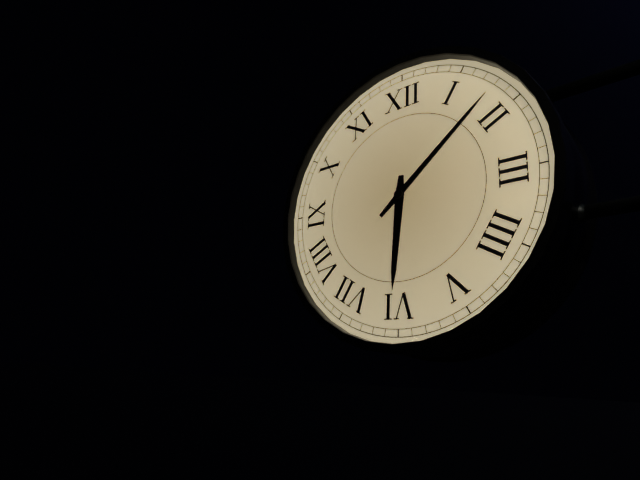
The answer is 6:08
